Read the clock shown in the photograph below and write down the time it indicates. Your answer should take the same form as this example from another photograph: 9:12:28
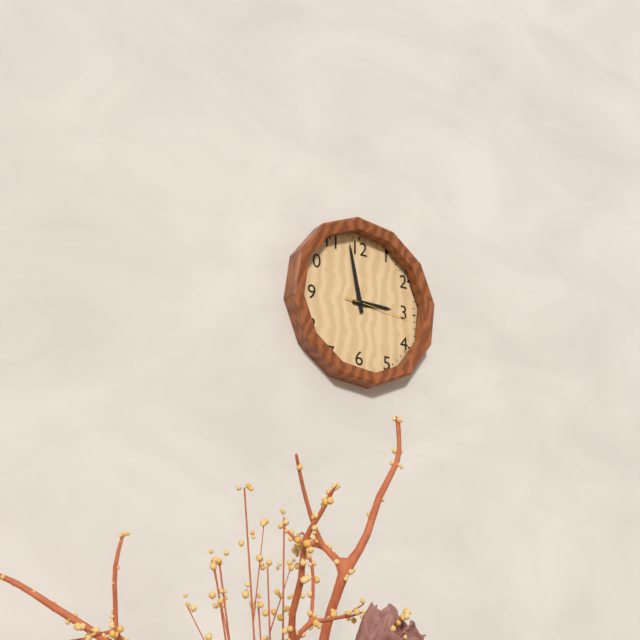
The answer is 2:58:16
